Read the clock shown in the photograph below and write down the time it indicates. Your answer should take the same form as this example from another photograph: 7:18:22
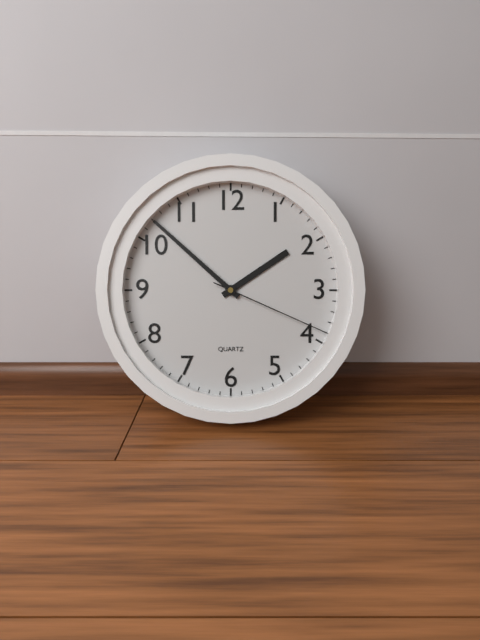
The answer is 1:52:19
